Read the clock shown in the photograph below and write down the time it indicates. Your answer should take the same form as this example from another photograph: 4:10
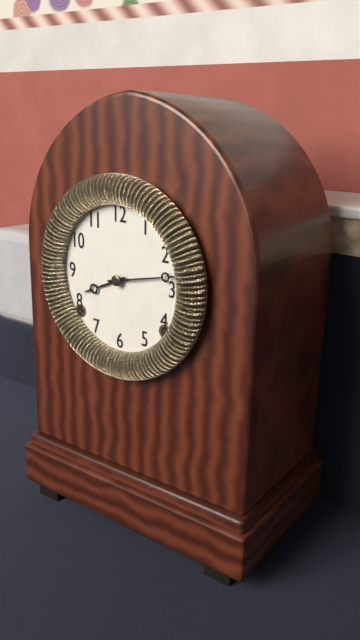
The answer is 8:13
